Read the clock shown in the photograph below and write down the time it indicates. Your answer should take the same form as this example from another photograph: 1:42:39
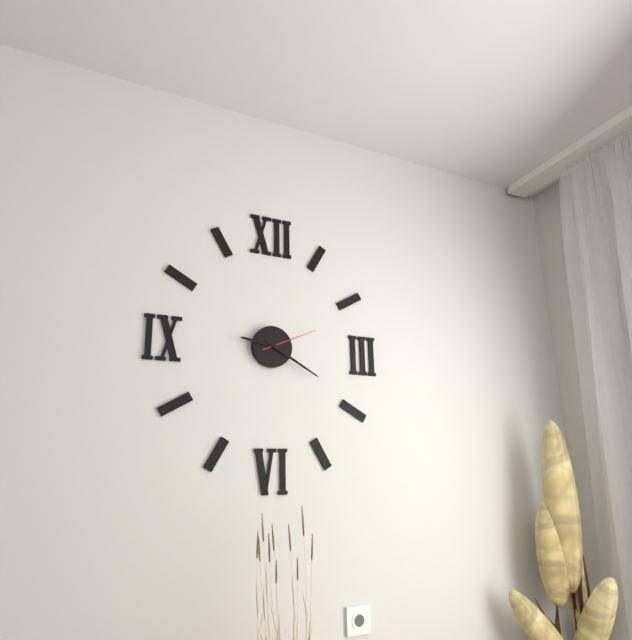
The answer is 9:20:11
